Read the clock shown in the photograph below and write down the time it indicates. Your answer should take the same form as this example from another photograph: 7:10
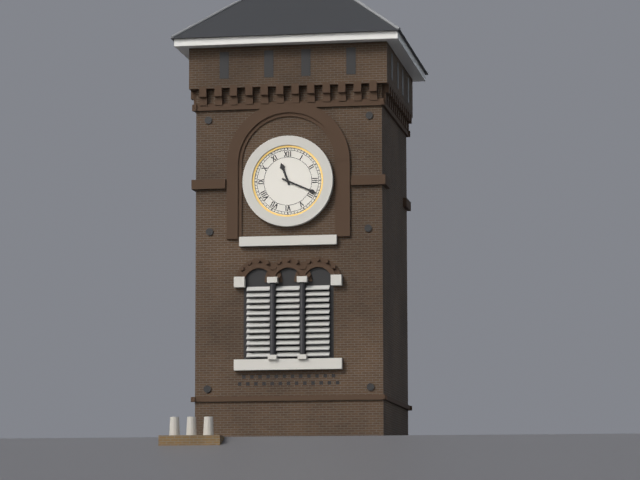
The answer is 11:19
